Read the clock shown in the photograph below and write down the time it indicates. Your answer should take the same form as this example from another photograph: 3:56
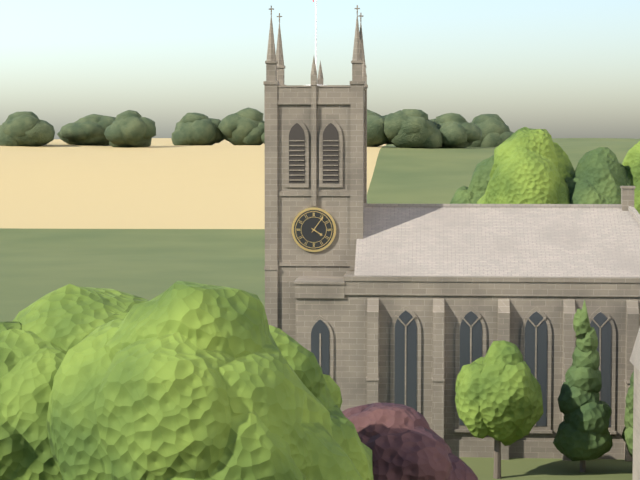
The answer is 4:06
